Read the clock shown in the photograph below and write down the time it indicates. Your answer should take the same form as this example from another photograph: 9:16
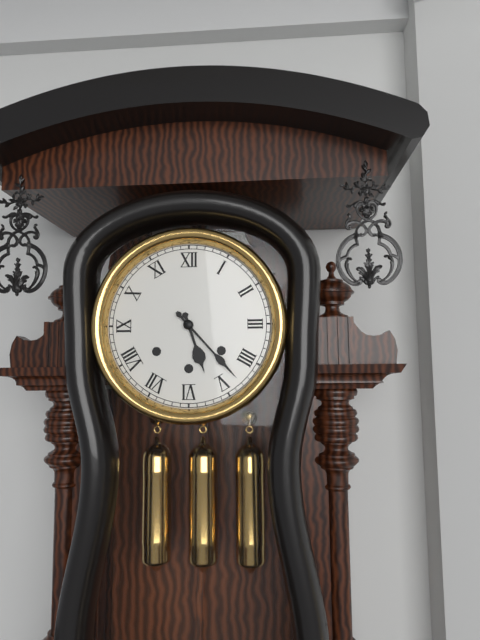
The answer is 5:23
